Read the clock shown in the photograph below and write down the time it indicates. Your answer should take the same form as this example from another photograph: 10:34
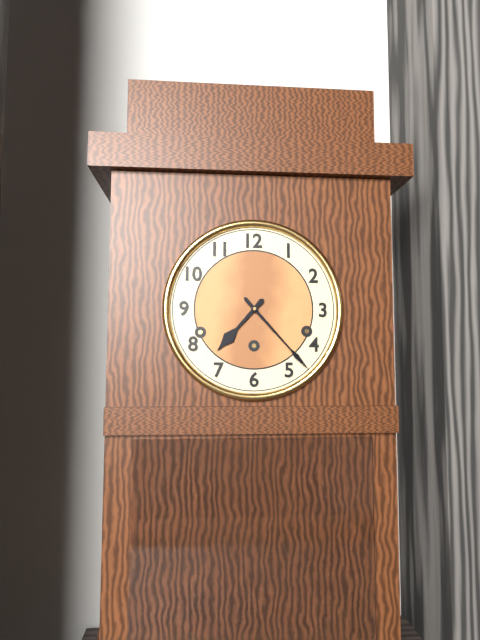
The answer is 7:23
